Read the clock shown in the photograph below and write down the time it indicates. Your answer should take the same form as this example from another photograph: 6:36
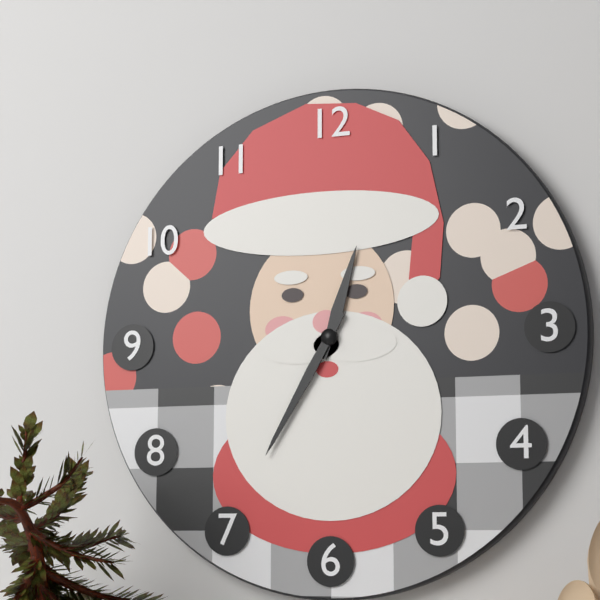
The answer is 12:35
